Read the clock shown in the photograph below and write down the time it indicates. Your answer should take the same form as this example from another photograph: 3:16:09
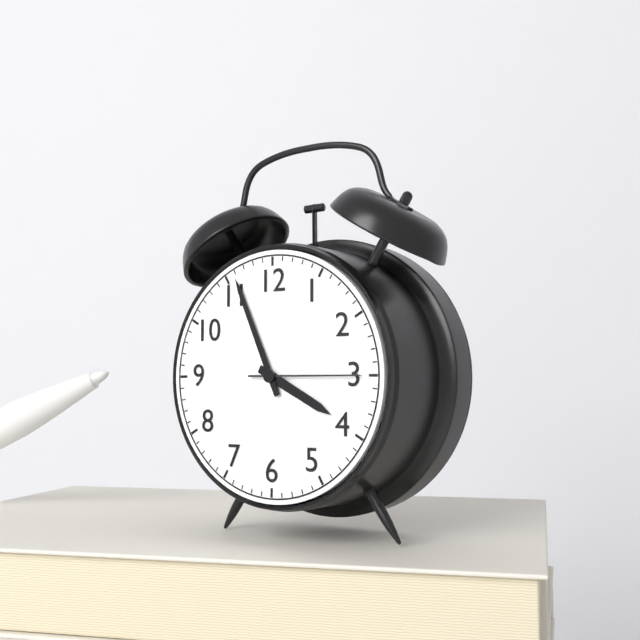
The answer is 3:56:15
